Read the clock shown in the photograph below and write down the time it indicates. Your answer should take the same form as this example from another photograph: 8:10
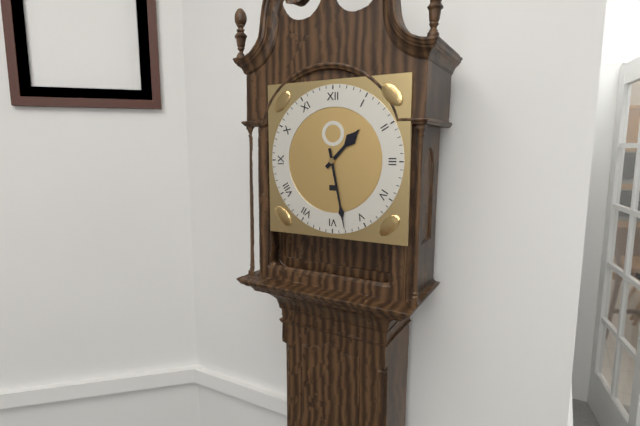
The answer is 1:28
